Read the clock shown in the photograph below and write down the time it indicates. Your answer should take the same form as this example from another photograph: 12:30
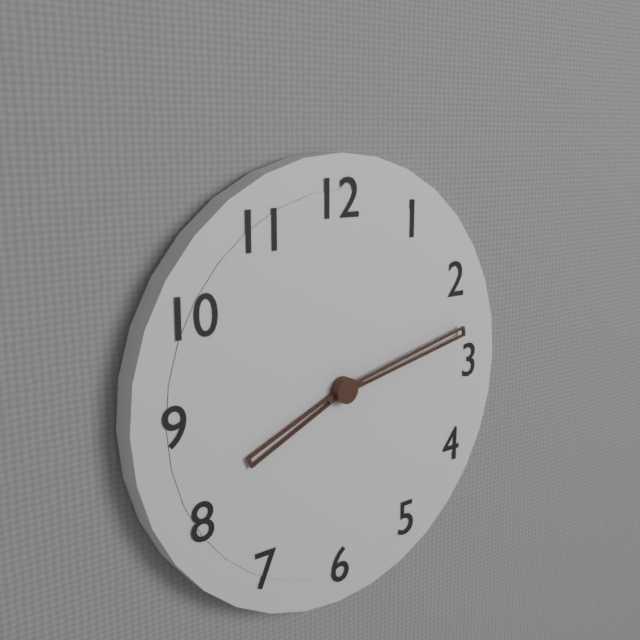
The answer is 8:13
